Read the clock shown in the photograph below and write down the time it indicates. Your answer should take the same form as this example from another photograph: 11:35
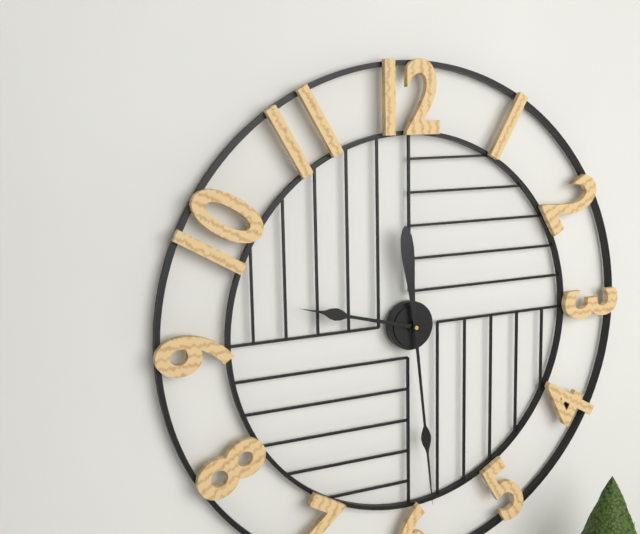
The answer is 9:29
